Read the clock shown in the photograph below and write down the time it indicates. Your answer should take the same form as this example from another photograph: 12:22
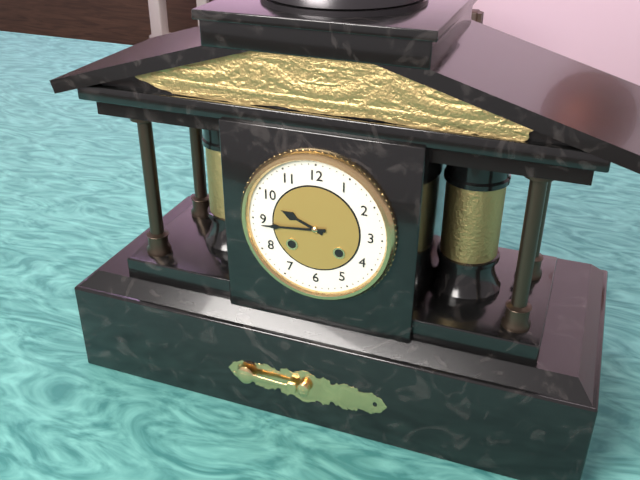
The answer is 9:44
